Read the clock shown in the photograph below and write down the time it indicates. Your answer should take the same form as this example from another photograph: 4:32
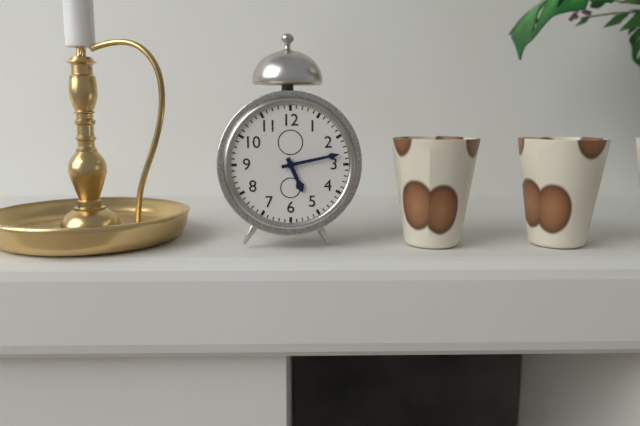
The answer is 5:13
